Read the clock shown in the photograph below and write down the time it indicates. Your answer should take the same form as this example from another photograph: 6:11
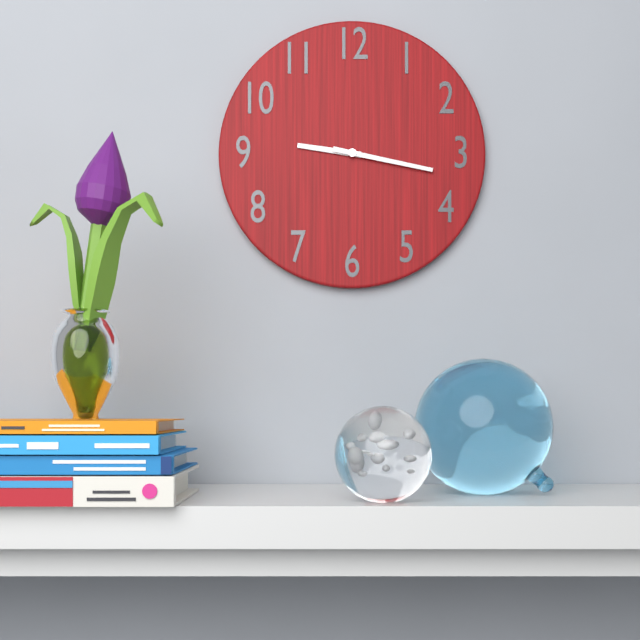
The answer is 9:17
